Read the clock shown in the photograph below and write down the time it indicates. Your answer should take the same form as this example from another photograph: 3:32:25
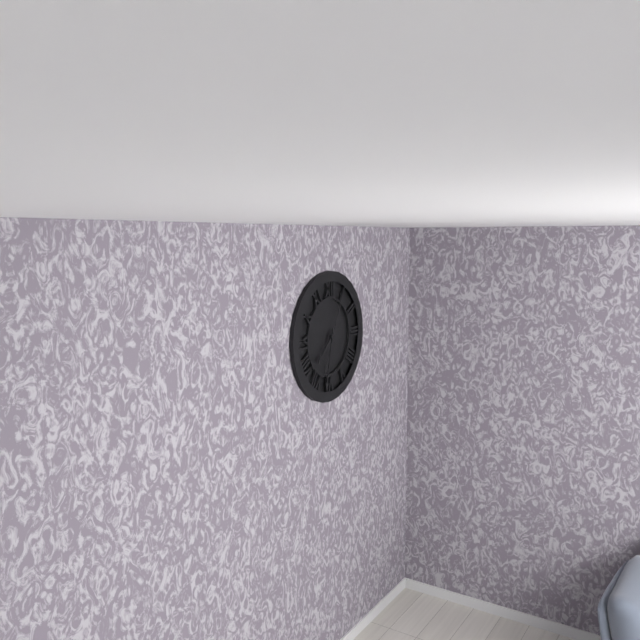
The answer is 7:32:04
